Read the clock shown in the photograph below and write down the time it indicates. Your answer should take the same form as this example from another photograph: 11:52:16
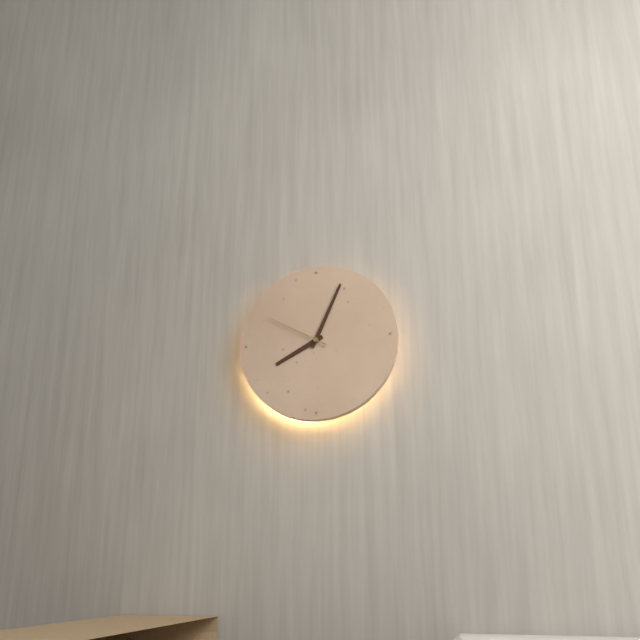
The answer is 8:04:50
